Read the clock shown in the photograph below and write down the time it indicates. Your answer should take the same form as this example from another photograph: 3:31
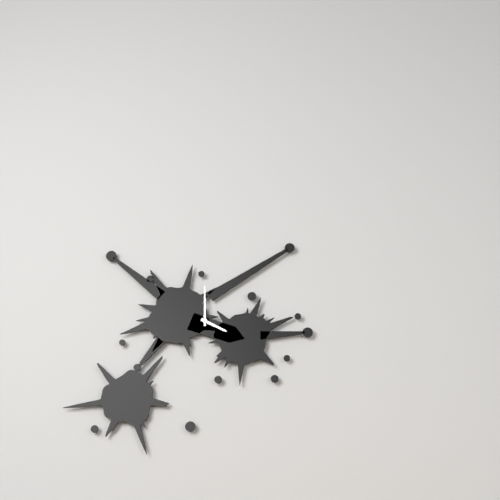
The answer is 4:00
